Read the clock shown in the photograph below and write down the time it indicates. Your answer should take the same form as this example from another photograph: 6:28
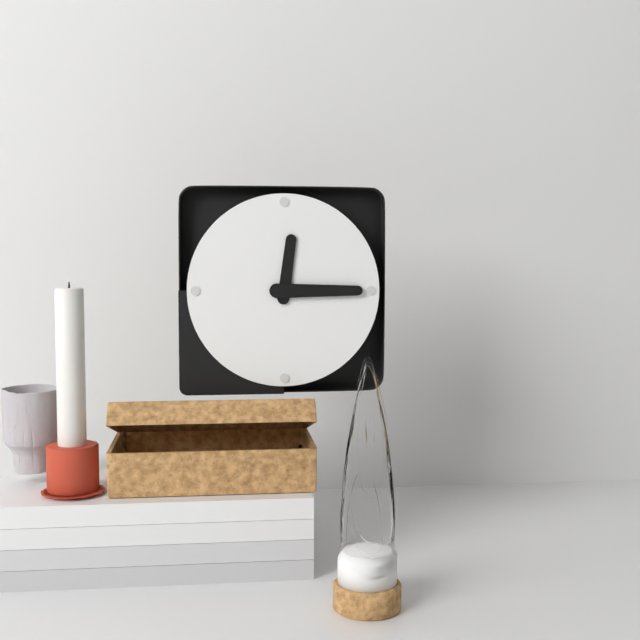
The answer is 12:15
